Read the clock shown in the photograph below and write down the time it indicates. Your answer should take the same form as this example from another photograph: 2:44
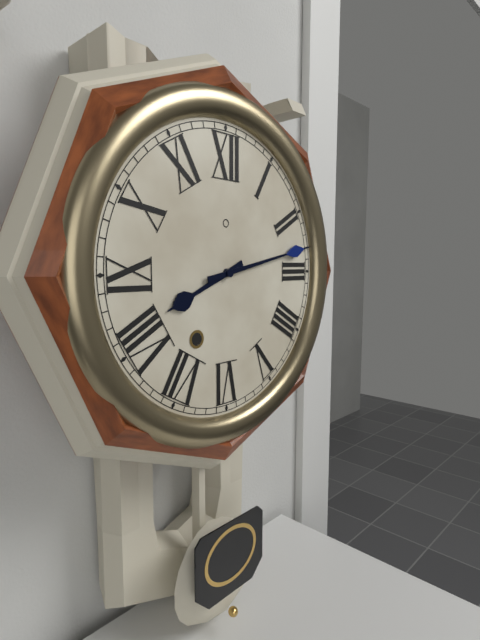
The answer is 8:13
